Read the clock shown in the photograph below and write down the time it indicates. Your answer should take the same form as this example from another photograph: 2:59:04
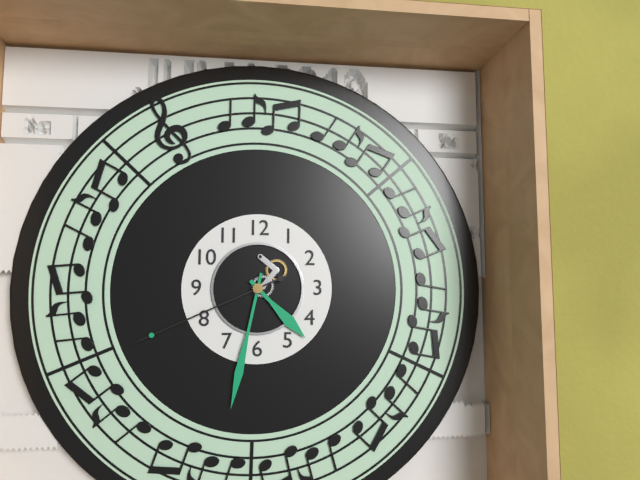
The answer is 4:32:41
